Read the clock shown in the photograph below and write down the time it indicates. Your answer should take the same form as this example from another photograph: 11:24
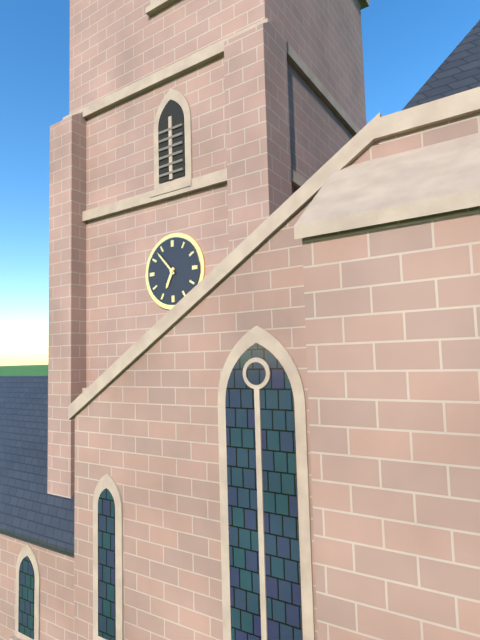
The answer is 6:53
